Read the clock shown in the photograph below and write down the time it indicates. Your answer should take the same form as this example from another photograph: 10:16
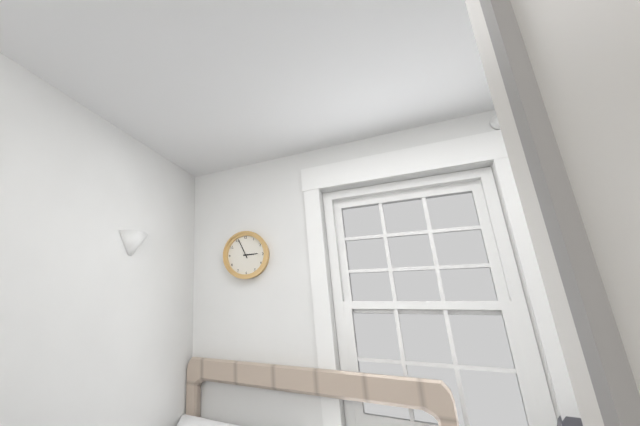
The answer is 2:56
